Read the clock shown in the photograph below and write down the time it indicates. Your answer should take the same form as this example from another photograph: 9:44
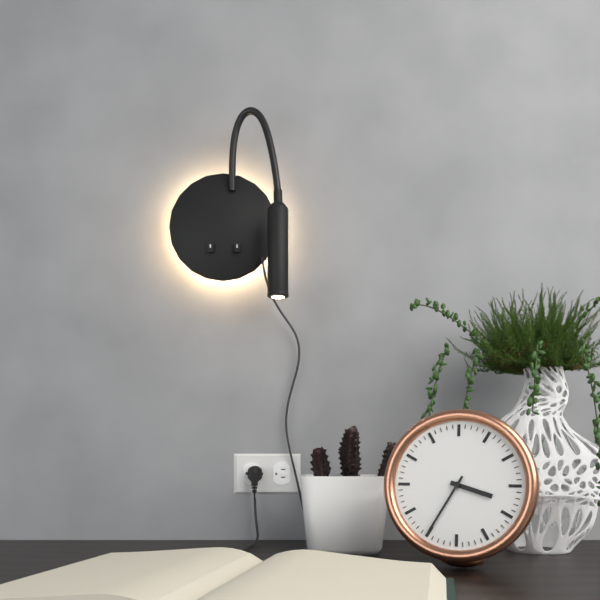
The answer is 3:35
